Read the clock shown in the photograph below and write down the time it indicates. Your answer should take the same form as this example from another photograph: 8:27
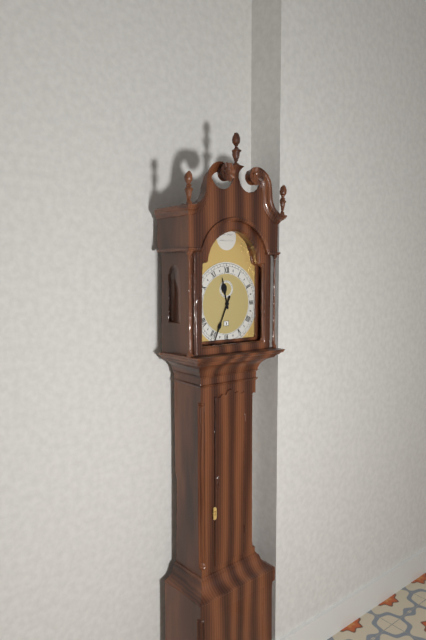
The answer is 11:34
